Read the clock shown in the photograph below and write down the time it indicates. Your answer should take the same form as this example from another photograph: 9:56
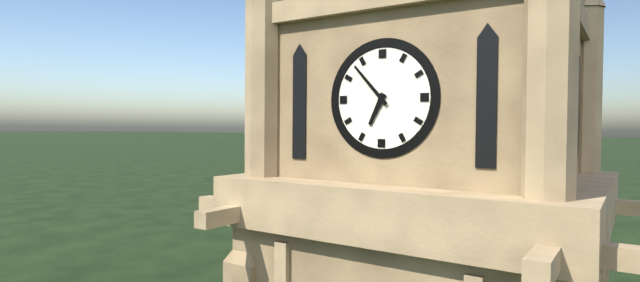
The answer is 6:53
